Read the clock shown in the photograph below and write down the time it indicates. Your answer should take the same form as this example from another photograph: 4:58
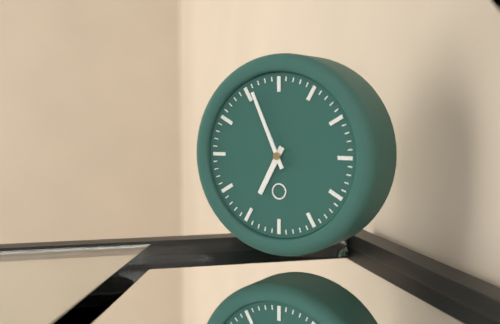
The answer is 6:56
